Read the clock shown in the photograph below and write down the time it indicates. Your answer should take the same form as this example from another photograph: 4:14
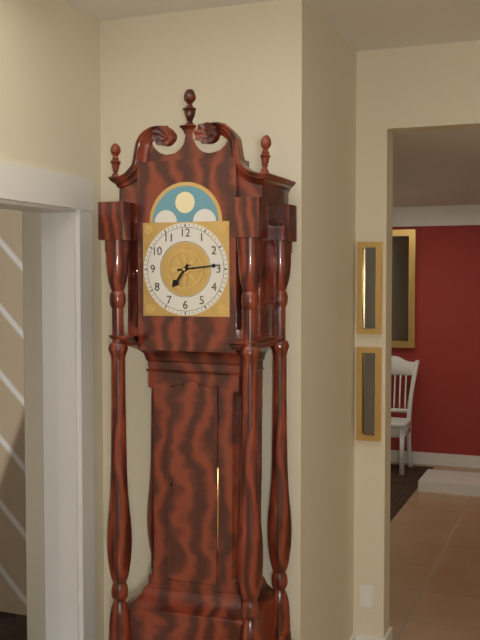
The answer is 7:14
